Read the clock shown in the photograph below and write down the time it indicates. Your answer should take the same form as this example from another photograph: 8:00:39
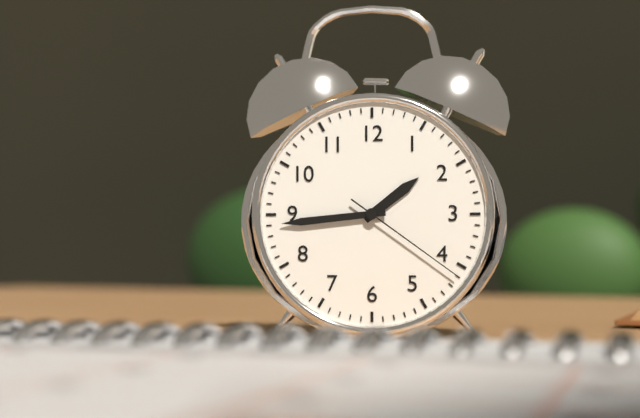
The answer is 1:44:21
